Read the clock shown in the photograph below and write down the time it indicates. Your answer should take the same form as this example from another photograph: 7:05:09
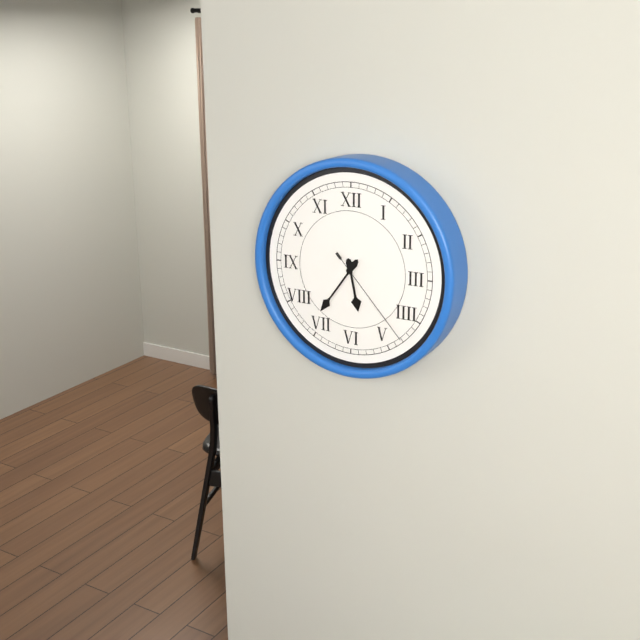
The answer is 5:36:23
